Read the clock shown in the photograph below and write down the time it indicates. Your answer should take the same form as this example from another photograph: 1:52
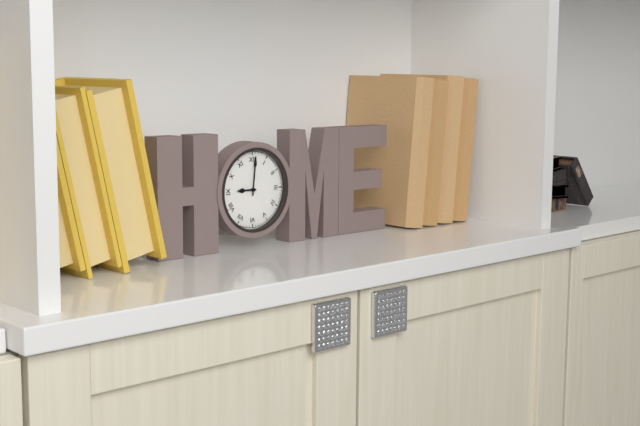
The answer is 9:01
